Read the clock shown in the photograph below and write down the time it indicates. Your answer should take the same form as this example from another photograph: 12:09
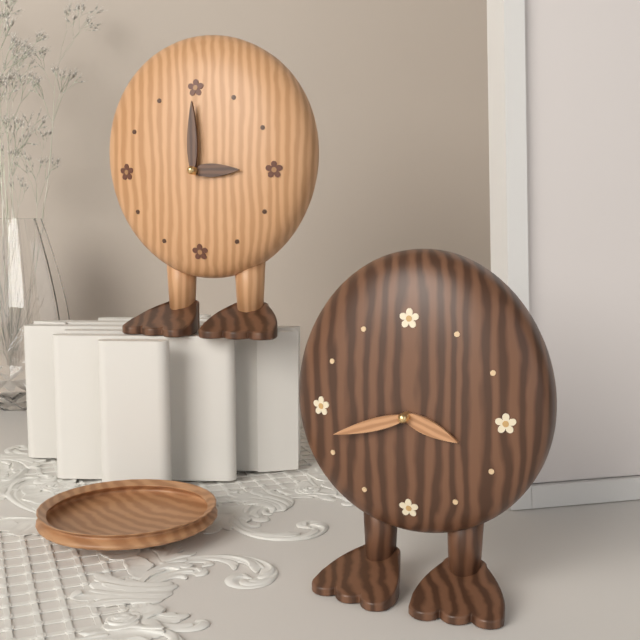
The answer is 3:42
